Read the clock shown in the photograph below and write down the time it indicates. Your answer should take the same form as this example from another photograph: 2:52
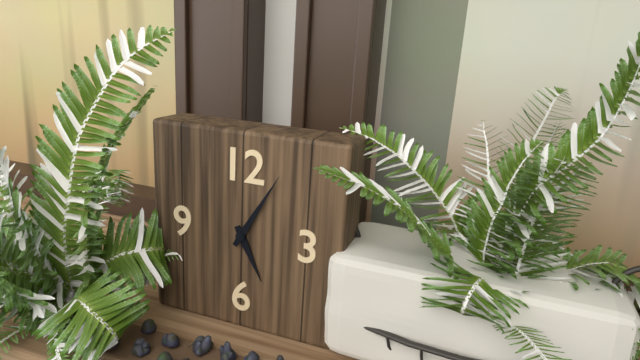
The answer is 5:05
